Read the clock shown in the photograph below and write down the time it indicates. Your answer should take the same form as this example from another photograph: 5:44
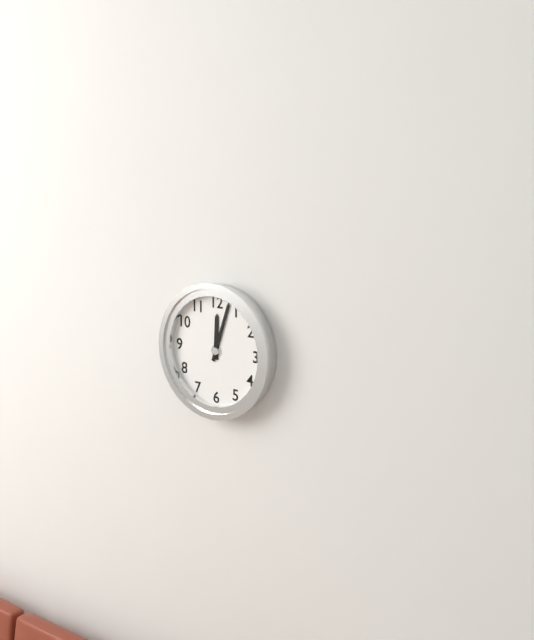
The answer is 12:03
